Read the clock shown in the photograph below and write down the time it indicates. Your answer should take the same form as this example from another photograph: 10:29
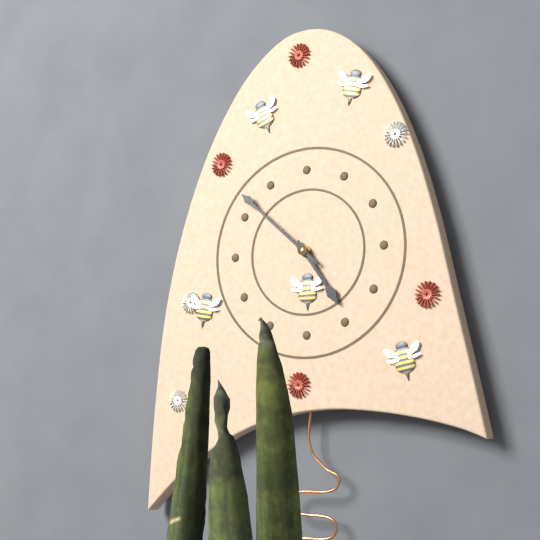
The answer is 4:52
